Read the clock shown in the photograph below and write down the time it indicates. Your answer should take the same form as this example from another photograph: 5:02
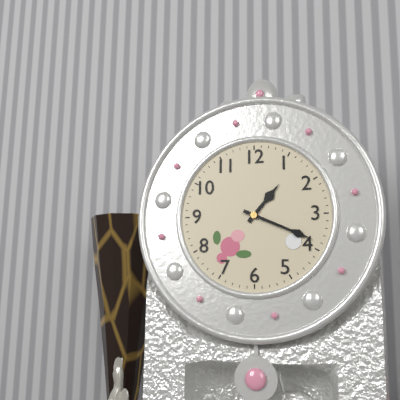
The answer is 1:19
